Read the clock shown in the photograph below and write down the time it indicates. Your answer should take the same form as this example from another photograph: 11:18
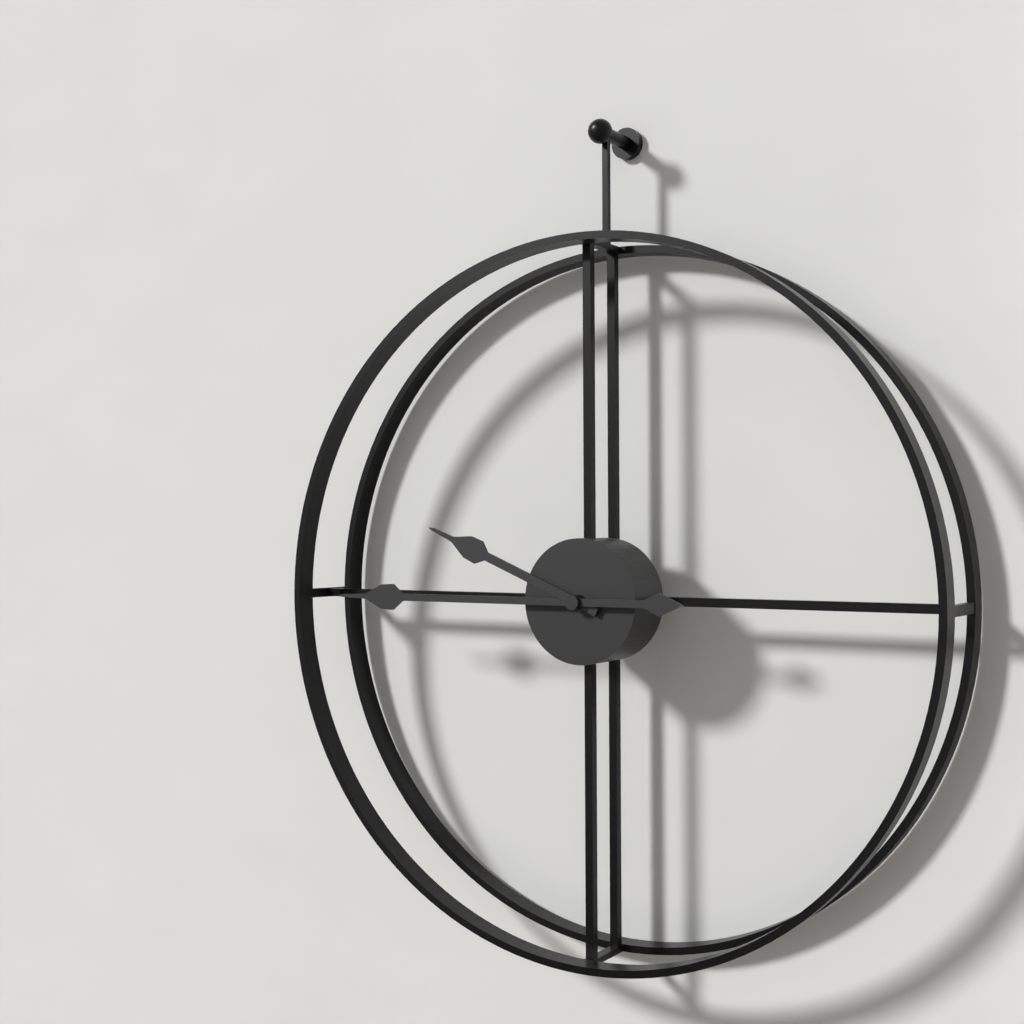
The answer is 9:45
